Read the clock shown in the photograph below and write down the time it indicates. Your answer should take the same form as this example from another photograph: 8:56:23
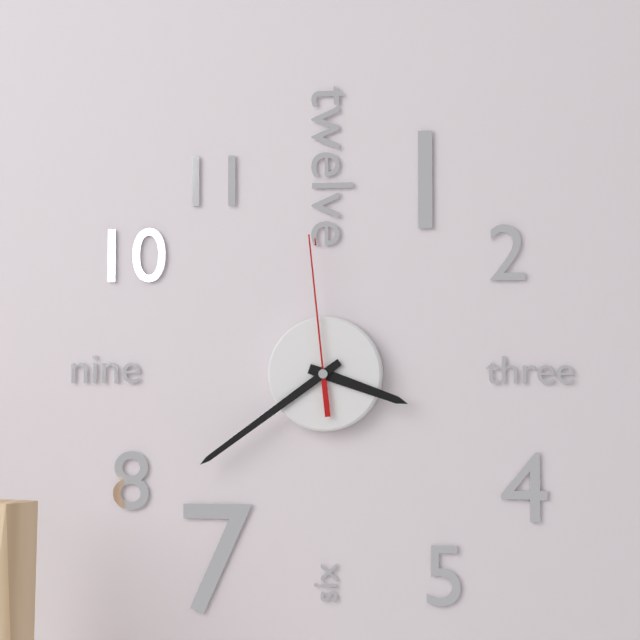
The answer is 3:39:59
